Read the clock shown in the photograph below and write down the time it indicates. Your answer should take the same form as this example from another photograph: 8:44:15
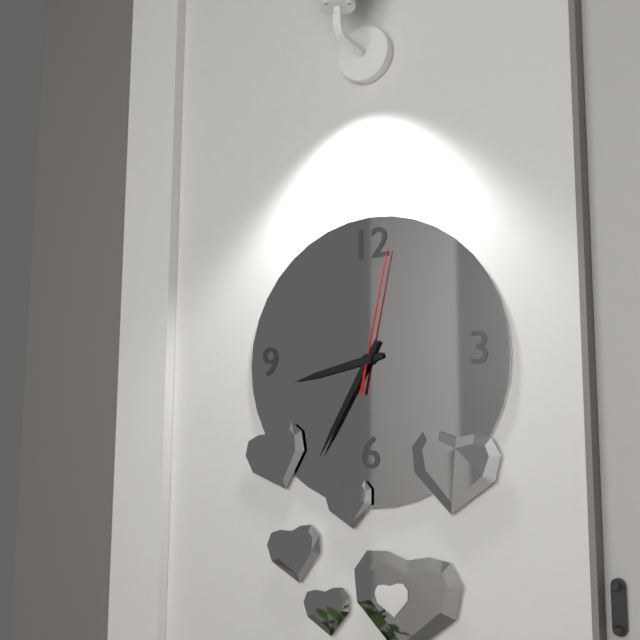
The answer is 8:35:02
